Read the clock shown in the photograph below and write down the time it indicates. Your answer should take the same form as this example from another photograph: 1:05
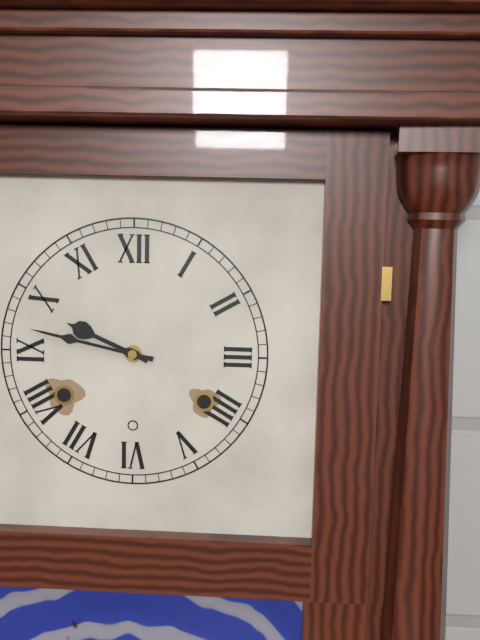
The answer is 9:47
